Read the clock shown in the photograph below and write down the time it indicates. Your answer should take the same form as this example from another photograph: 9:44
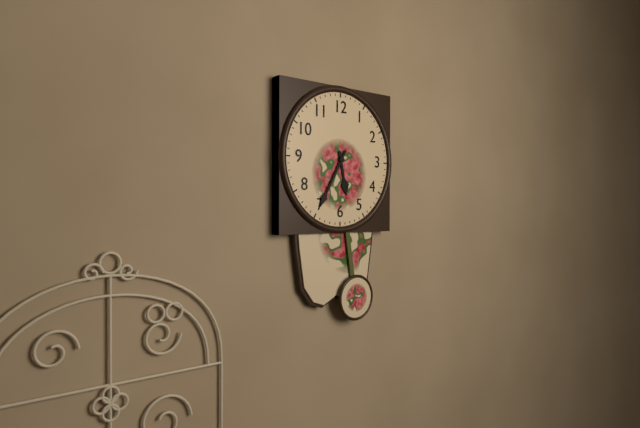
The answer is 5:35
